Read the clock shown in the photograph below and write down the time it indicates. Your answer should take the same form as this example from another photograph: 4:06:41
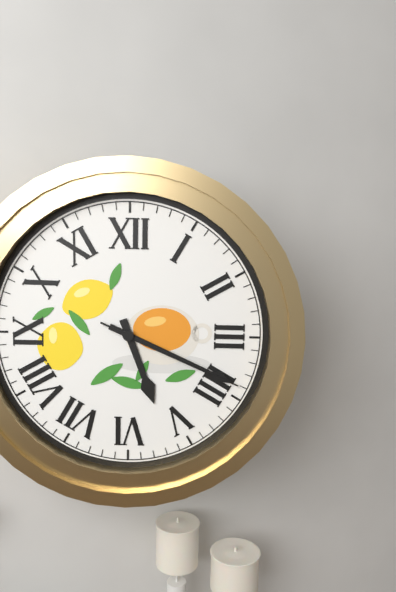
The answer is 5:19:19
